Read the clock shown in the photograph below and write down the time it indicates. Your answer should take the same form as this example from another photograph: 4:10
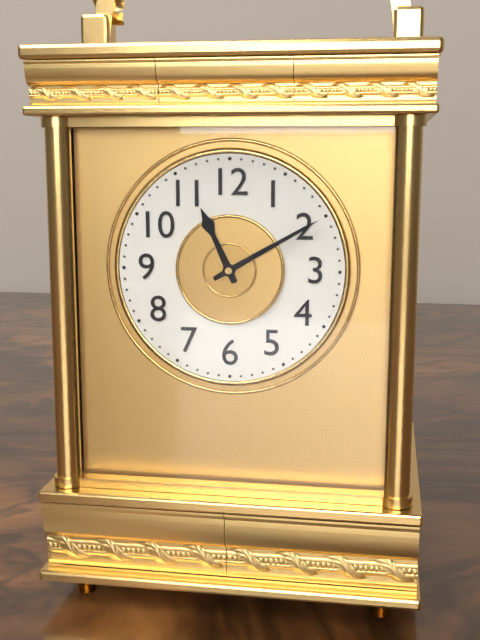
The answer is 11:10
